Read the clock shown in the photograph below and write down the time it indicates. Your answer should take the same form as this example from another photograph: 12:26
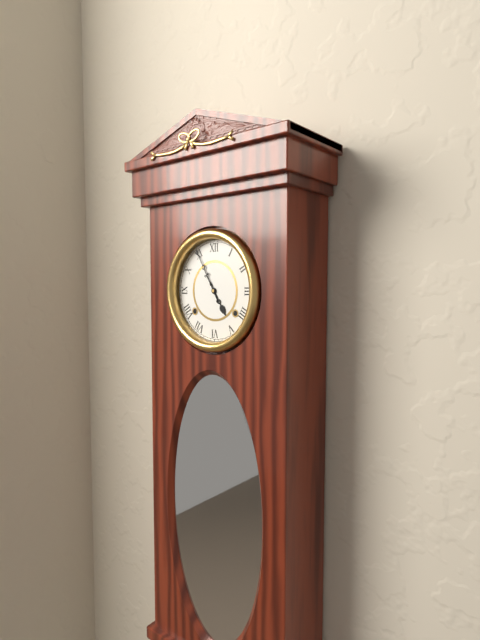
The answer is 4:55
